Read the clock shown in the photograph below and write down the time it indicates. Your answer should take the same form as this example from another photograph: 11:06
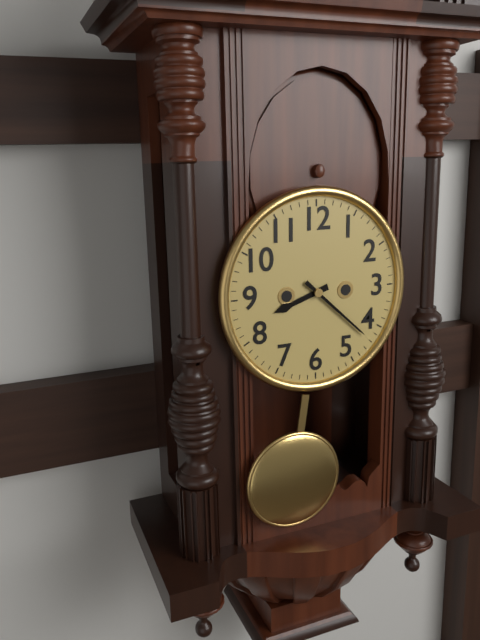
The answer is 8:22
